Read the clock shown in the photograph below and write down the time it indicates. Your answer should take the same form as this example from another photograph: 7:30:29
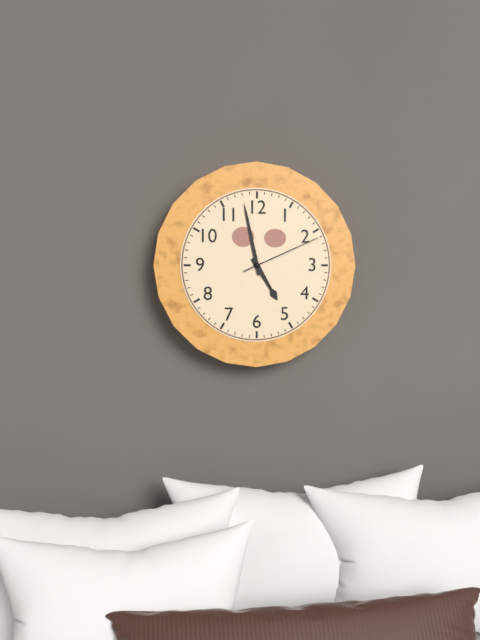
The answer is 4:58:11
